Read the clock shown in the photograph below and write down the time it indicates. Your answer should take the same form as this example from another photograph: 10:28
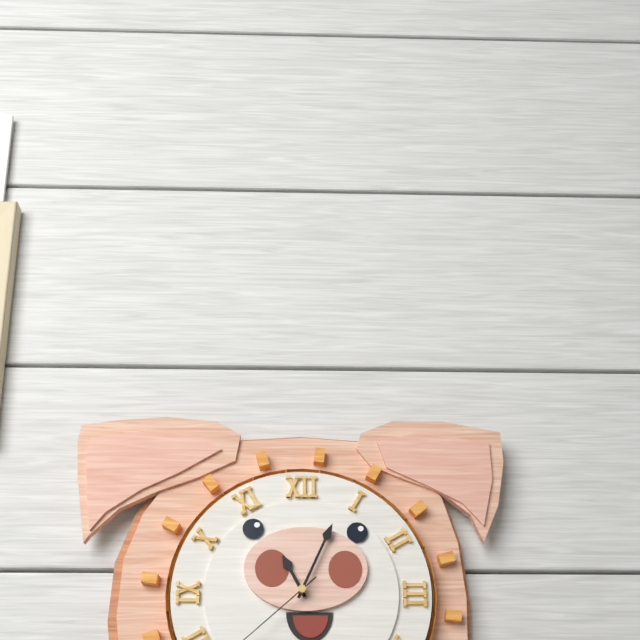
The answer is 11:04
